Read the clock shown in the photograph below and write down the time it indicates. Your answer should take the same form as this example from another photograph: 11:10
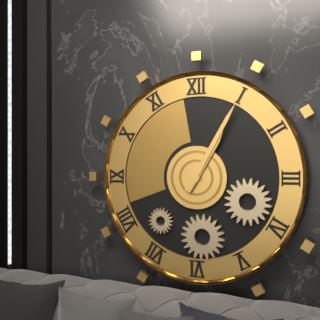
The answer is 1:05
